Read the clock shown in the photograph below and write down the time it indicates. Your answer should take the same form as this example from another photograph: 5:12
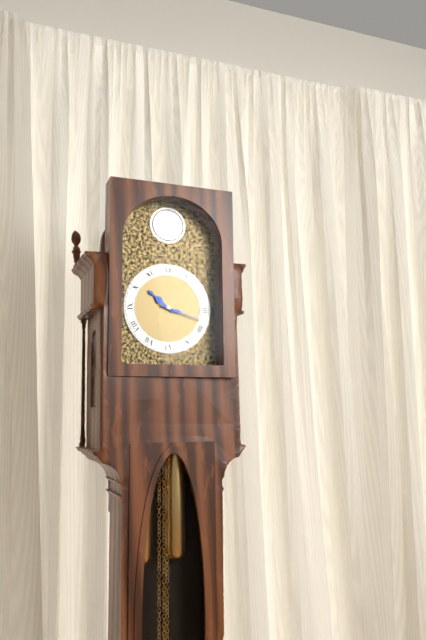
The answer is 10:18
